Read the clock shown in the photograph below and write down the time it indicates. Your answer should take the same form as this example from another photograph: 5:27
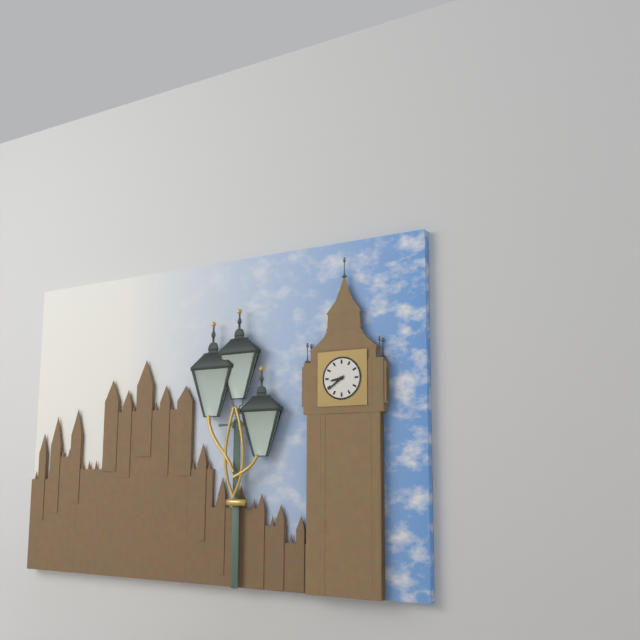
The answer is 8:39
